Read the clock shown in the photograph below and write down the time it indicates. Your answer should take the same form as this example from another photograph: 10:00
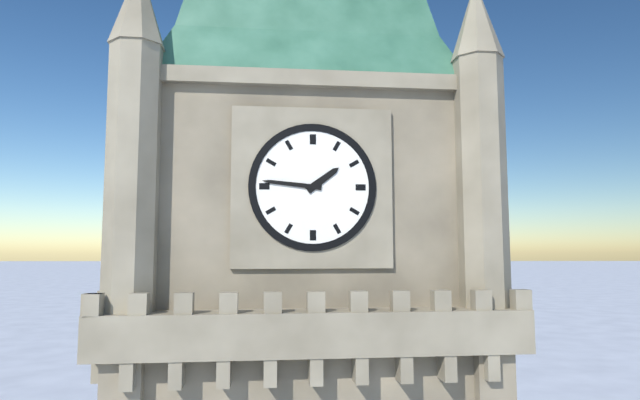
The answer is 1:46
